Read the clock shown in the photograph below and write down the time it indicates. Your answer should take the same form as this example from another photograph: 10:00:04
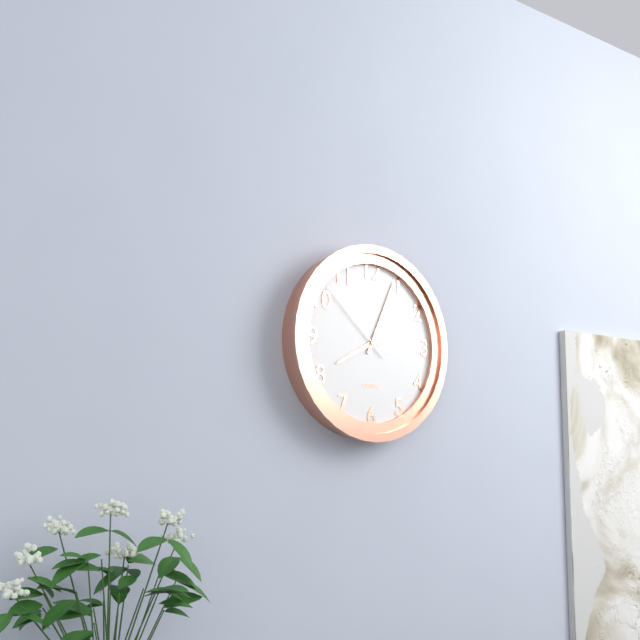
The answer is 8:04:52
